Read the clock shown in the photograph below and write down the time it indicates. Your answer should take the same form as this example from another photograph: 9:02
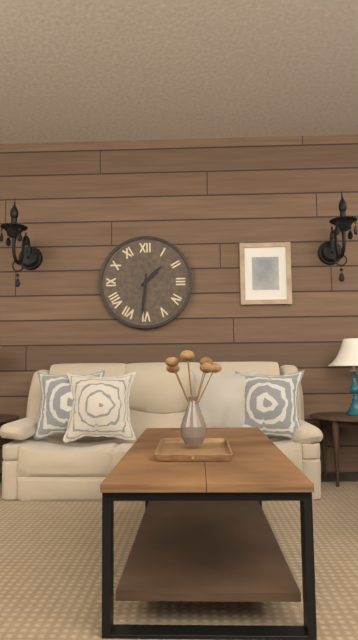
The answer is 1:31
